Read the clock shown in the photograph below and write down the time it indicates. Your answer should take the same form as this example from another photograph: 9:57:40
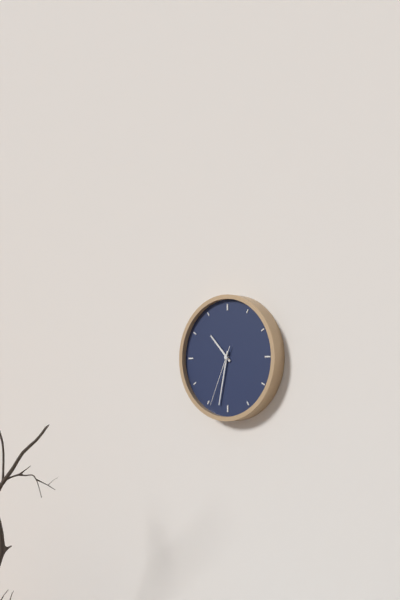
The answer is 10:32:34
